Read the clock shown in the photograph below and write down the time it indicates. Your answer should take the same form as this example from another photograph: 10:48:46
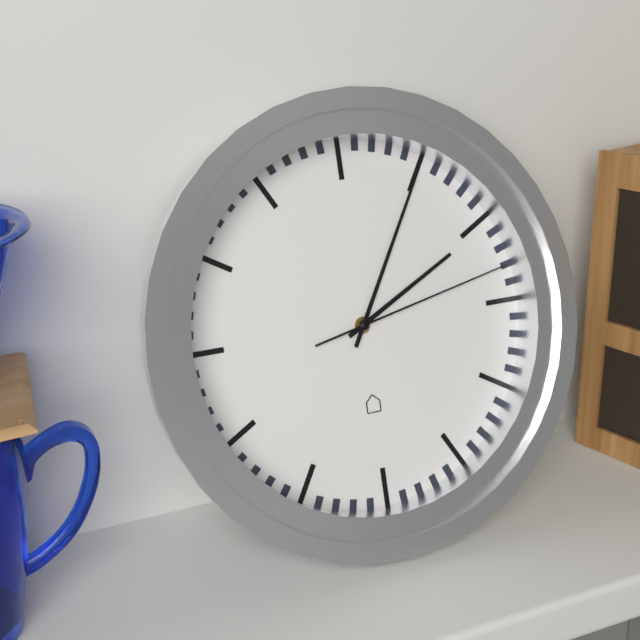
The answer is 2:05:13
